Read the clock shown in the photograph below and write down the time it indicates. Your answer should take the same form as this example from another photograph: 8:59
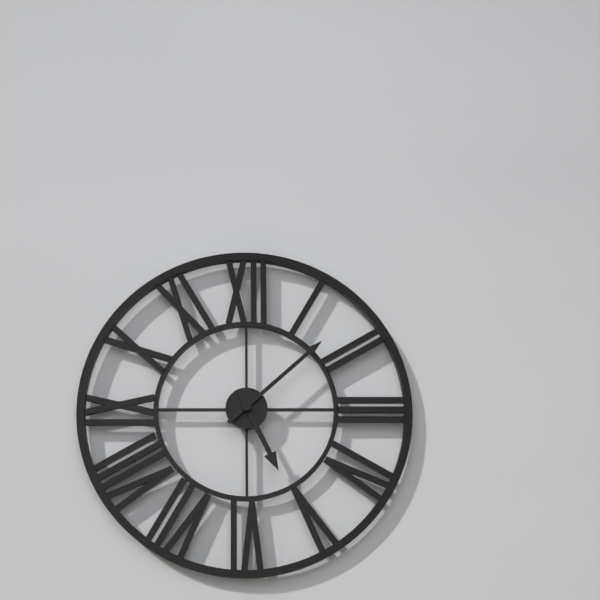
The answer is 5:08
